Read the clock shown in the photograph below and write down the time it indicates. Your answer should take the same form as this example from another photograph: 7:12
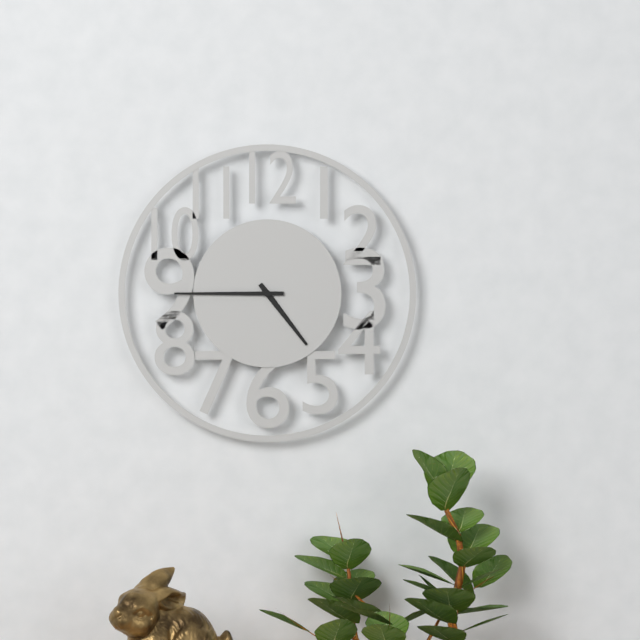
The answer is 4:45
